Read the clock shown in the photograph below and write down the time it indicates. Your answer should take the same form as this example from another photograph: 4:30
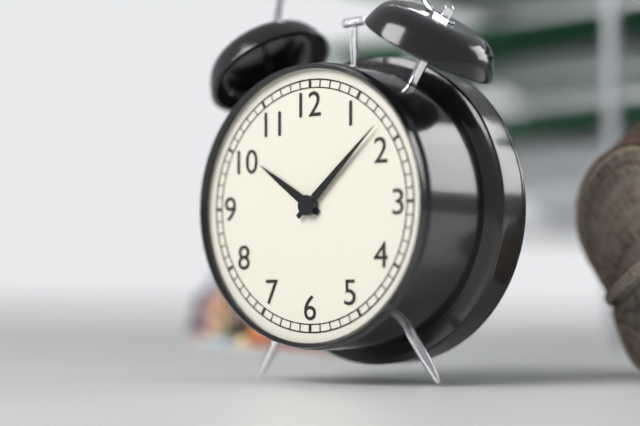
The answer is 10:08
